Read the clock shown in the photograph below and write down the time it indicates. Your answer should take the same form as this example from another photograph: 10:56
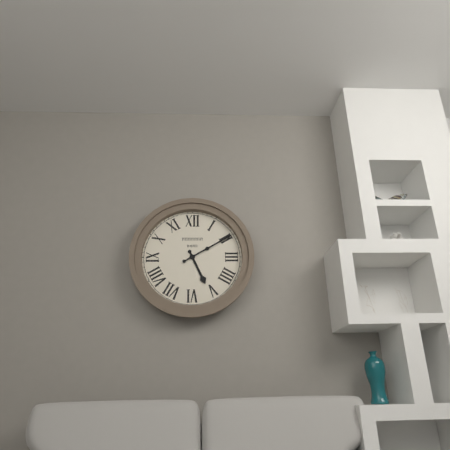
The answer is 5:10
